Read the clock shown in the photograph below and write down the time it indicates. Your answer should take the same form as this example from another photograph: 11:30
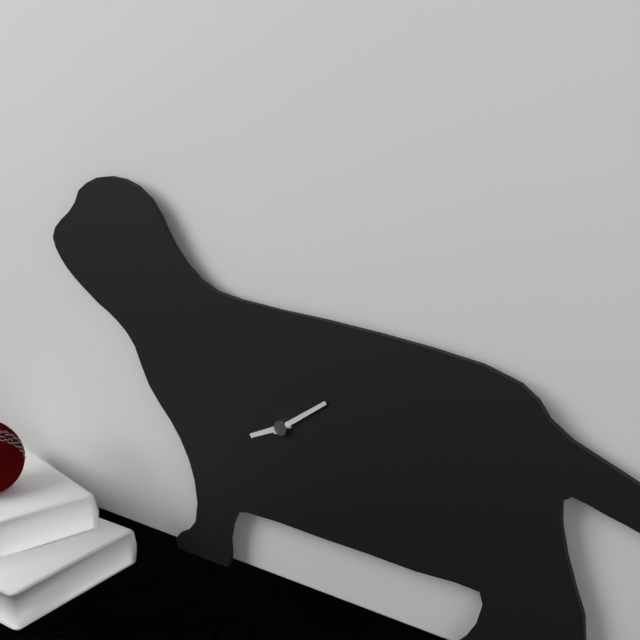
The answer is 8:09
